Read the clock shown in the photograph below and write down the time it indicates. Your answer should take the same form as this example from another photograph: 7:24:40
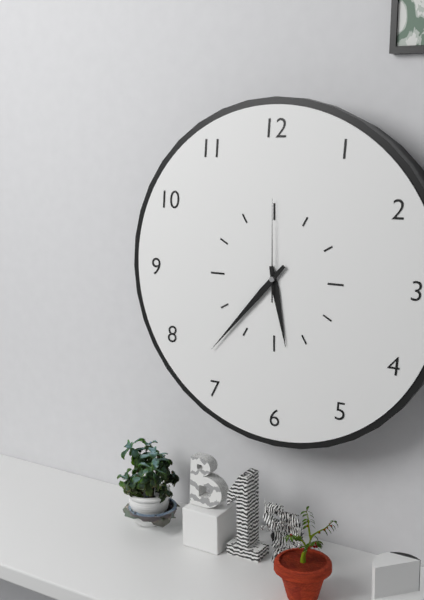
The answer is 5:37:00
